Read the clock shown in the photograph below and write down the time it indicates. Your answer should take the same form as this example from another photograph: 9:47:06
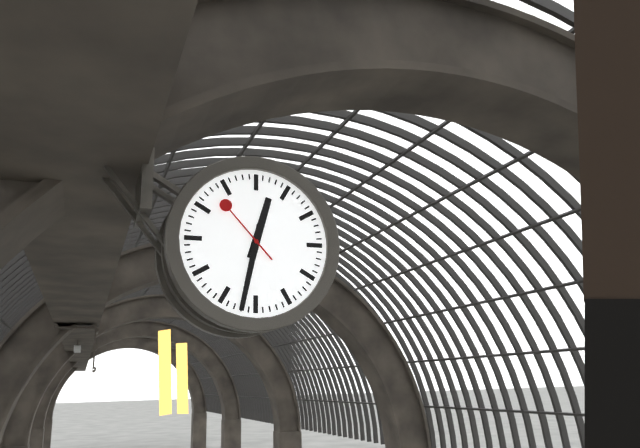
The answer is 12:32:53
